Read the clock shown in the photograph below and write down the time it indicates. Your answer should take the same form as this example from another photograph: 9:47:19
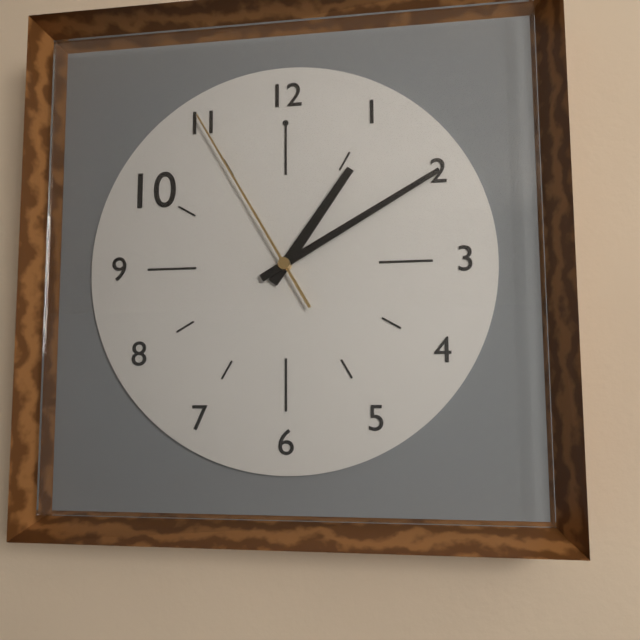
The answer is 1:10:55
